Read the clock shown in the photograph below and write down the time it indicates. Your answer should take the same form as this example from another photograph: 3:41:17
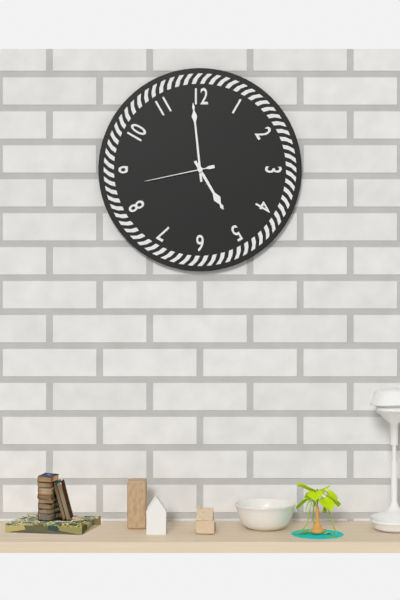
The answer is 4:59:43
